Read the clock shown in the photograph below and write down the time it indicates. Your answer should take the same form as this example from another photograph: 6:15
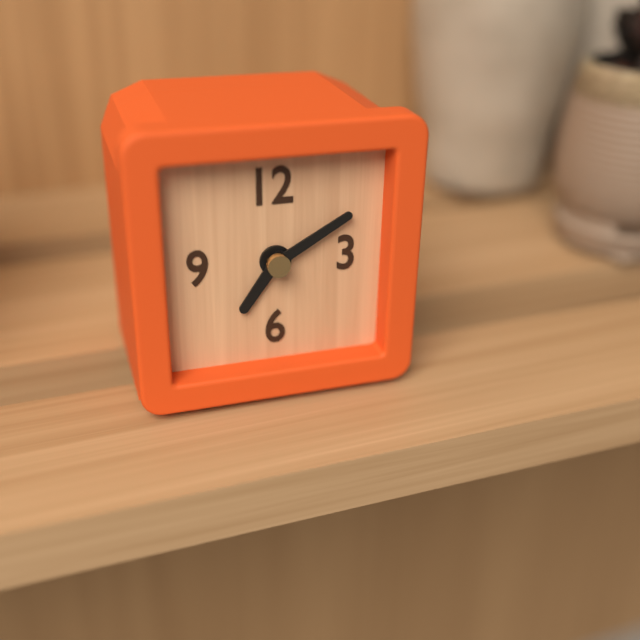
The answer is 7:10
